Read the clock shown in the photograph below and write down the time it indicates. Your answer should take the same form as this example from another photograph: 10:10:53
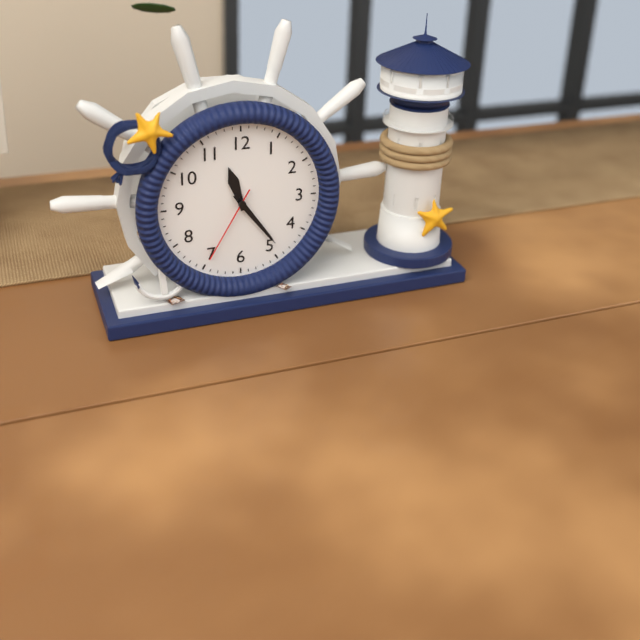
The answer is 11:24:35
